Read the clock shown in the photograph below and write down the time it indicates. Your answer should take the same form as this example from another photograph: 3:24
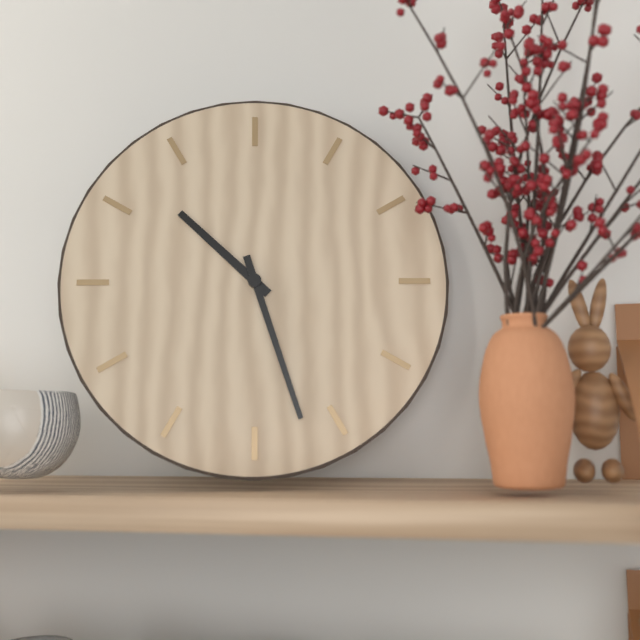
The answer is 10:27
